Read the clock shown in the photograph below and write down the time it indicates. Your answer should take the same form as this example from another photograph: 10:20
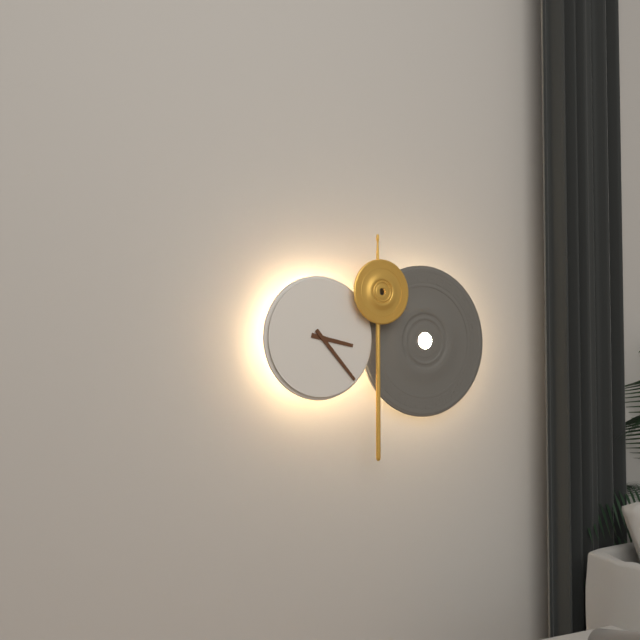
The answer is 3:23
